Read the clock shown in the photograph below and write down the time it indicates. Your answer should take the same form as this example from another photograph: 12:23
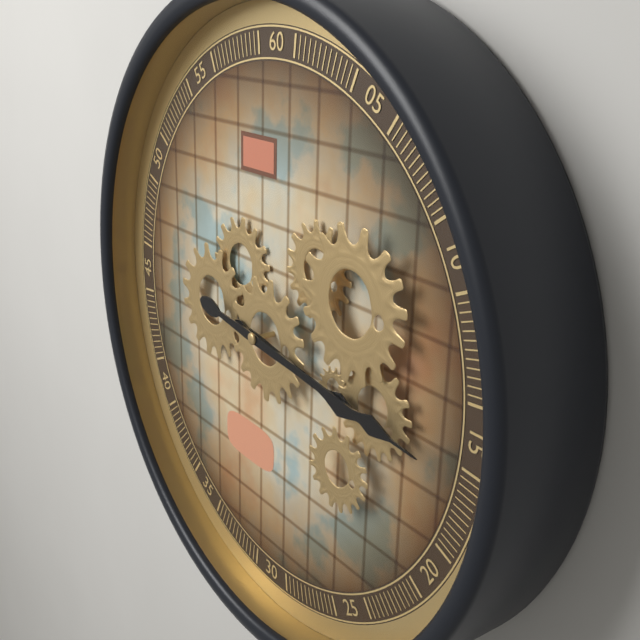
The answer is 3:16
